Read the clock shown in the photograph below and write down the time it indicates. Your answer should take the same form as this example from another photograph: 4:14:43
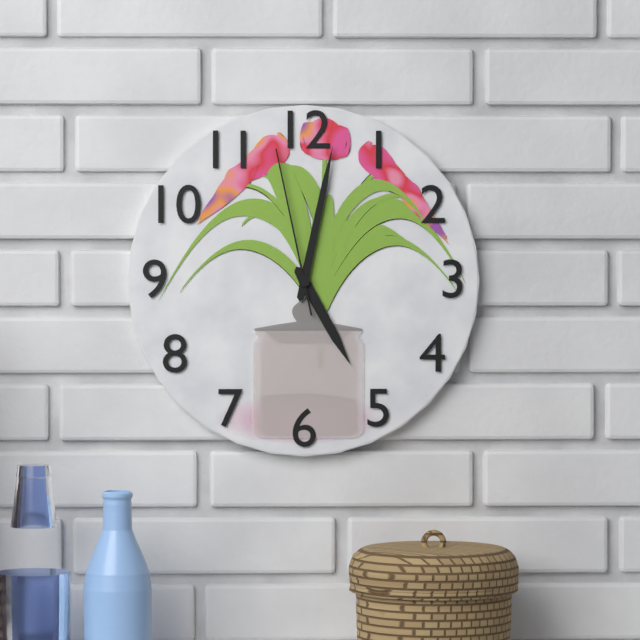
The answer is 5:02:58
